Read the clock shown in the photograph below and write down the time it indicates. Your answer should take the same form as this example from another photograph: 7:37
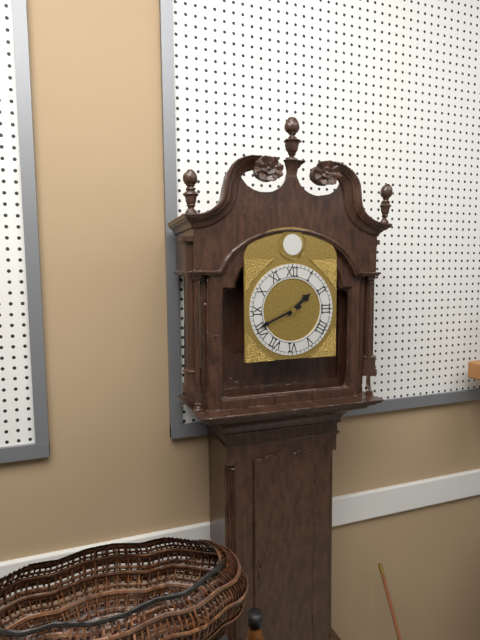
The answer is 1:41
